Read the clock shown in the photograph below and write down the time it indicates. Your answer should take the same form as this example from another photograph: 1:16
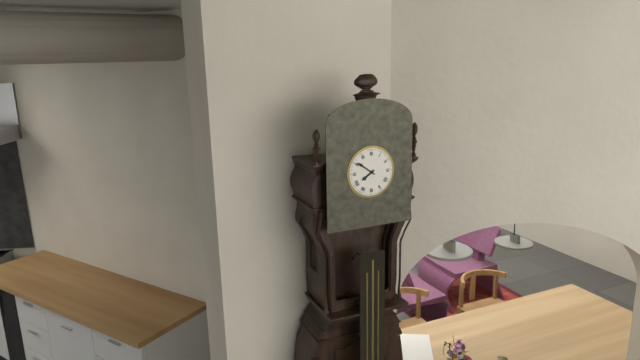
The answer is 7:51
